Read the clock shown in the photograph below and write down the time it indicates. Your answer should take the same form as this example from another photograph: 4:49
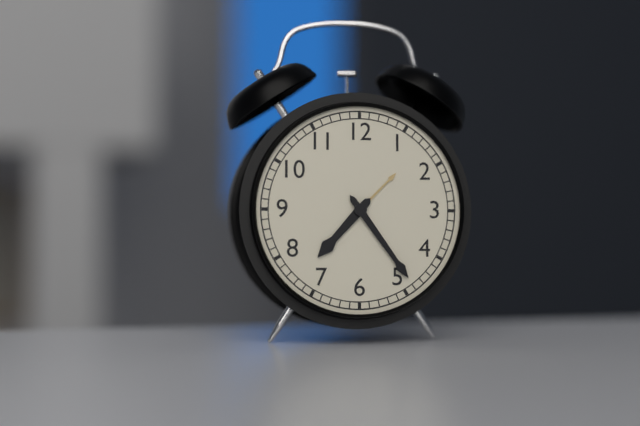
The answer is 7:24
